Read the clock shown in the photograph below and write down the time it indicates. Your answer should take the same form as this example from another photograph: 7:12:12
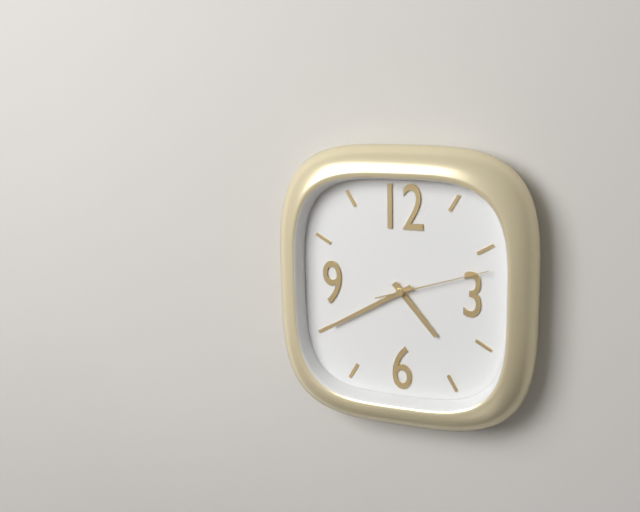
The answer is 4:40:12
